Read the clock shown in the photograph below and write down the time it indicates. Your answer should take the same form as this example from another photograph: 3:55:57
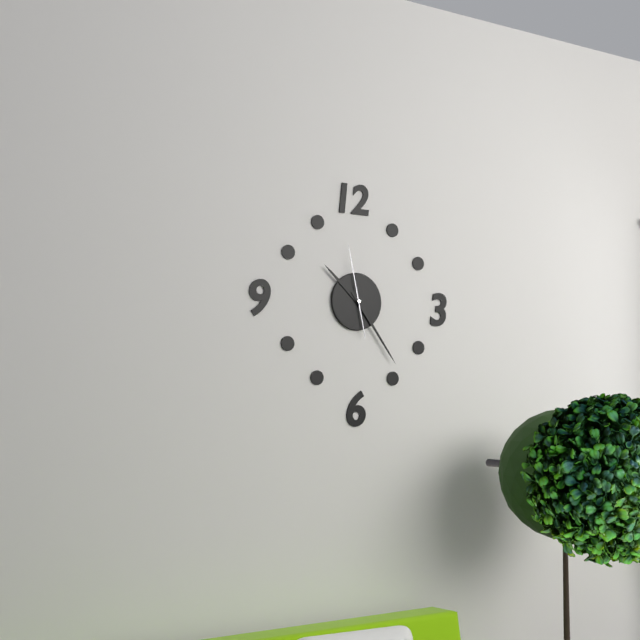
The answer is 10:24:58
